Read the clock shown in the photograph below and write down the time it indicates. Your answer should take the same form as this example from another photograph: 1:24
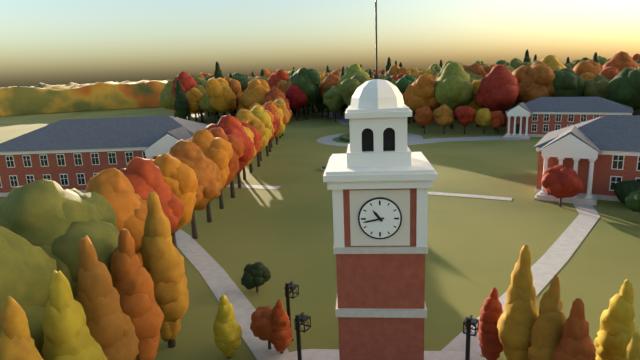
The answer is 10:43
